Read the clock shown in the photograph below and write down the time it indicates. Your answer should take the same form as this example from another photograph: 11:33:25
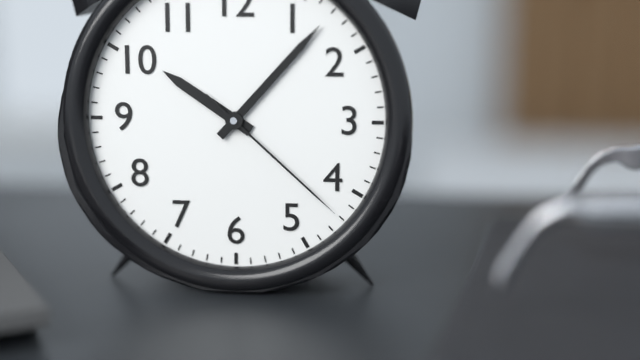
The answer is 10:07:22
